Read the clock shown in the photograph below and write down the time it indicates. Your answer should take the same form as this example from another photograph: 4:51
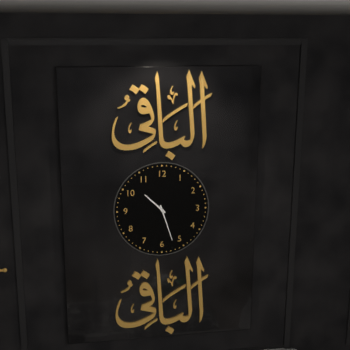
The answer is 10:27
